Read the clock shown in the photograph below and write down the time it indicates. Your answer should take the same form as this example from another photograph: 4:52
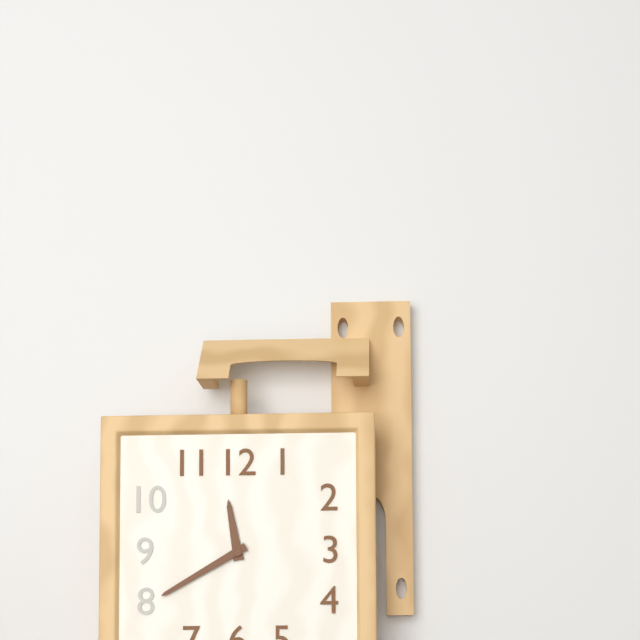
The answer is 11:40
